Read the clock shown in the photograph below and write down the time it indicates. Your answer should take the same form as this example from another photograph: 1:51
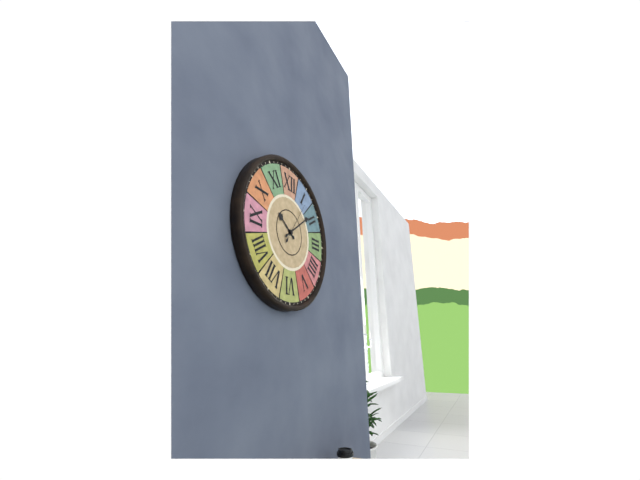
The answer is 10:09
